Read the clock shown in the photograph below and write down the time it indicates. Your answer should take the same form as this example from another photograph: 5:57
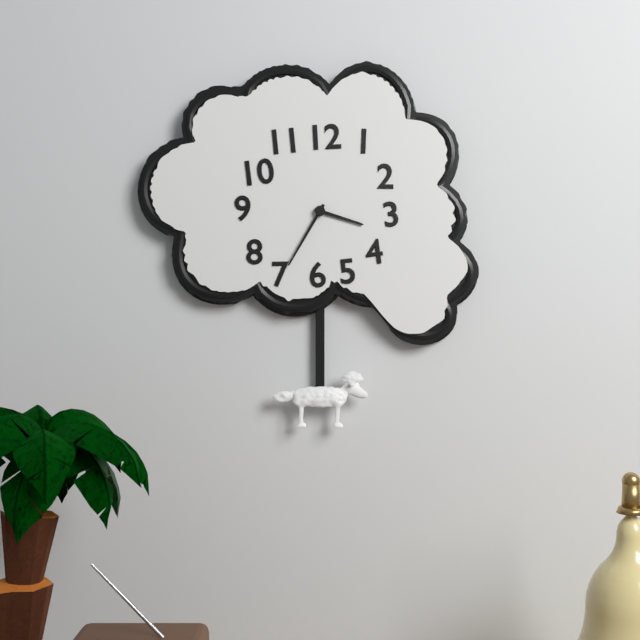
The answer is 3:35
